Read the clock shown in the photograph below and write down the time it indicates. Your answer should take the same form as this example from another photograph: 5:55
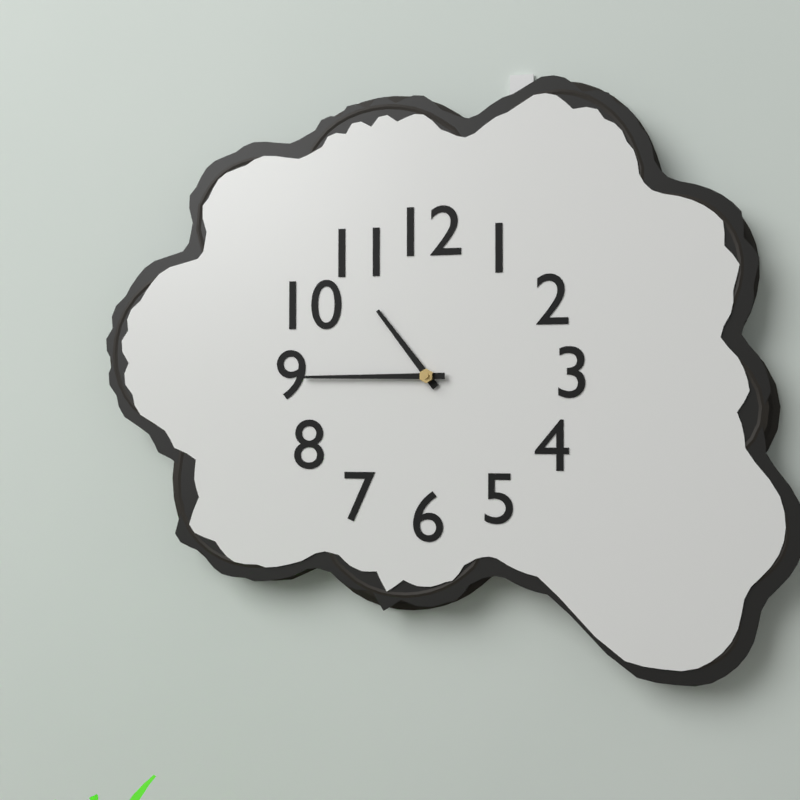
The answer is 10:45
